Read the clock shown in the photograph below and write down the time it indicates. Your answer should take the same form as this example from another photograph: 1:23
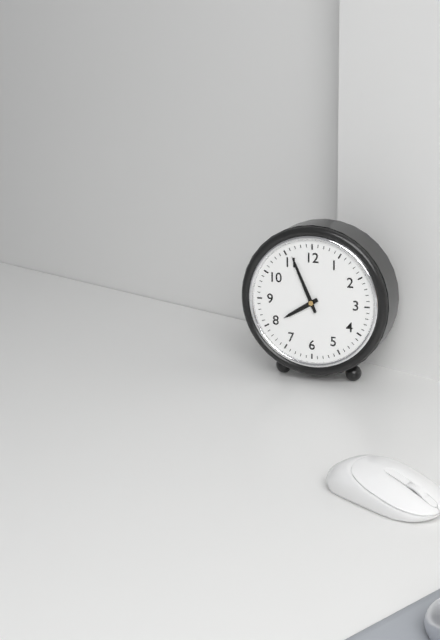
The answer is 7:56
